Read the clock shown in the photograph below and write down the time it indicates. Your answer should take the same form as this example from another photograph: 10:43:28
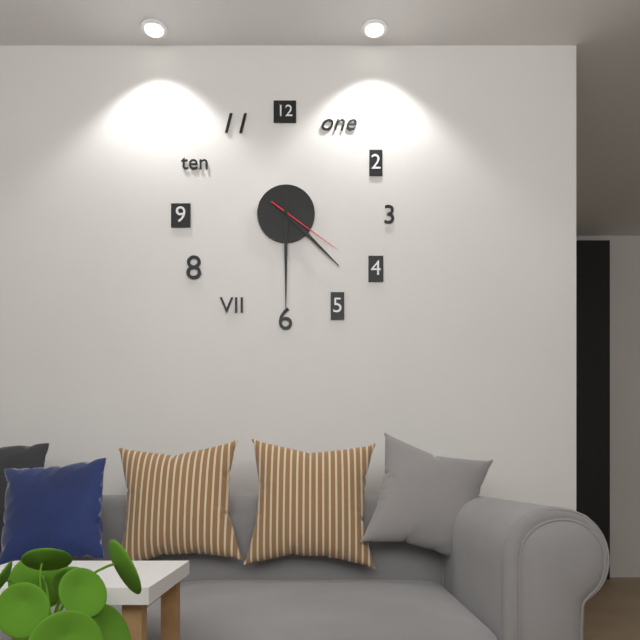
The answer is 4:30:21
